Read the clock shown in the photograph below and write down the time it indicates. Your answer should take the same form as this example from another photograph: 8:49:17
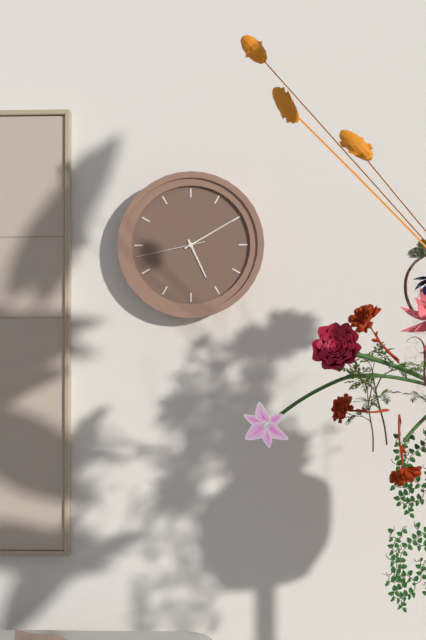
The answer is 5:10:43
